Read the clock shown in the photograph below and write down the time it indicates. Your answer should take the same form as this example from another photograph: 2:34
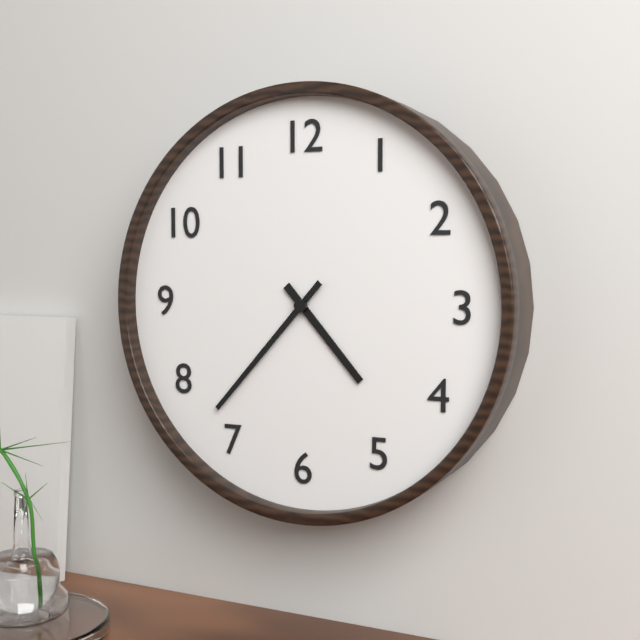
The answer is 4:37
